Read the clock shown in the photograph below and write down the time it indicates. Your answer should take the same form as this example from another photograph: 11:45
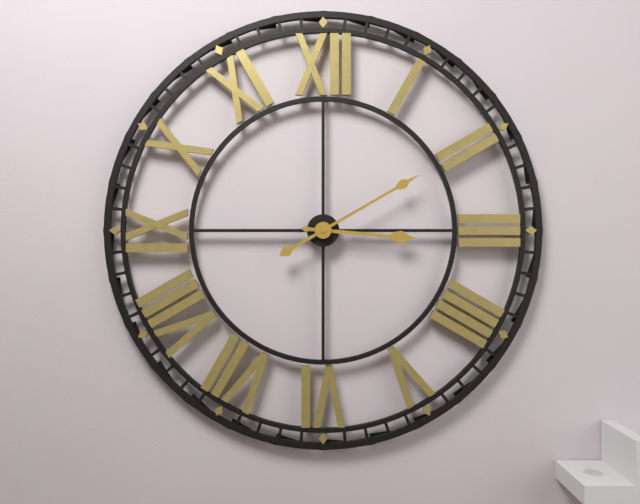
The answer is 3:10
